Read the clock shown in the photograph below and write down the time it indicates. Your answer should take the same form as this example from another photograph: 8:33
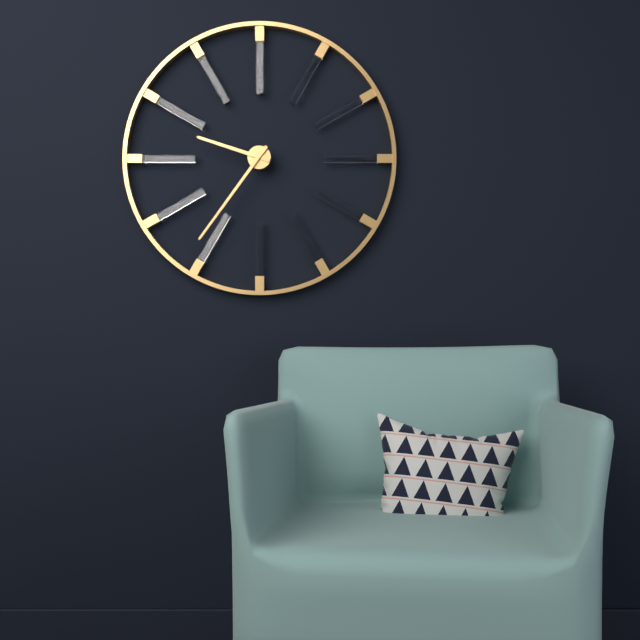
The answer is 9:36
